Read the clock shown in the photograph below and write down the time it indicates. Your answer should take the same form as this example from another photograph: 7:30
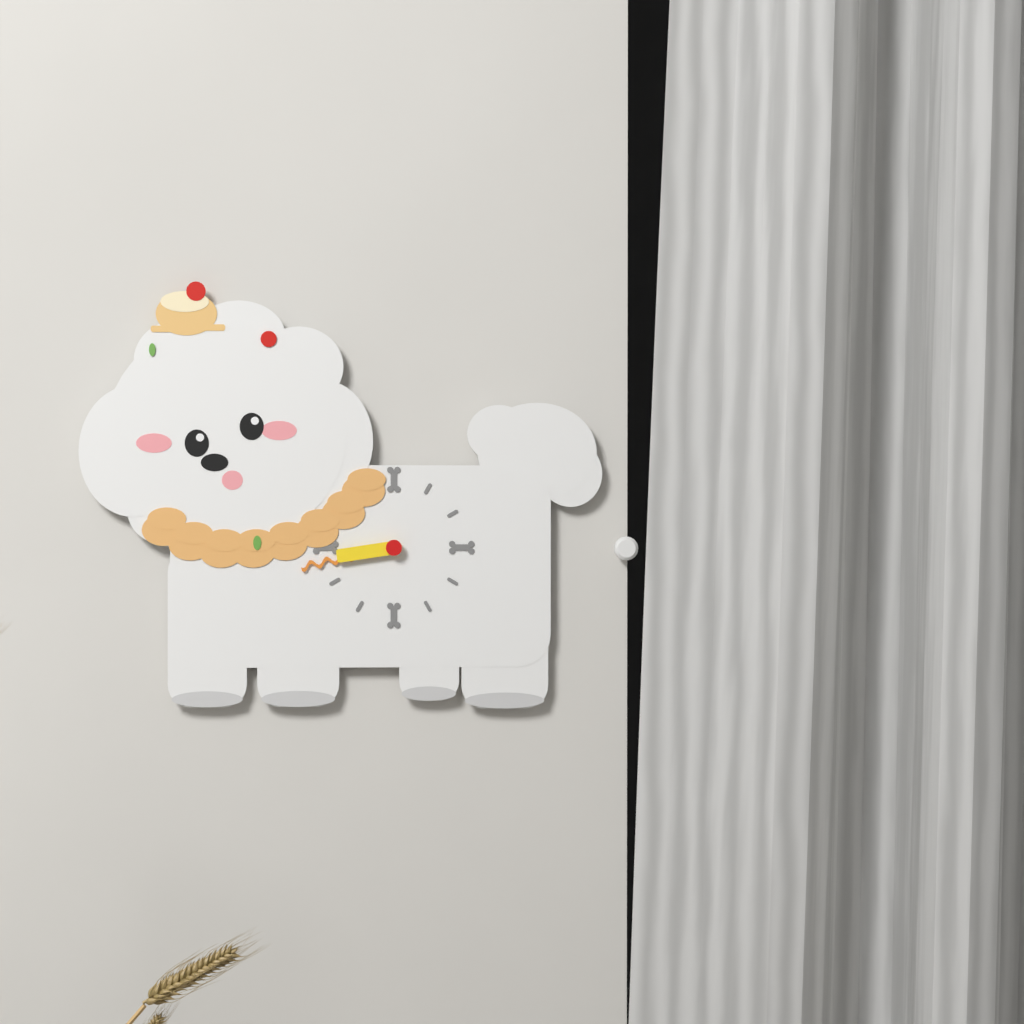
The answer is 8:43
